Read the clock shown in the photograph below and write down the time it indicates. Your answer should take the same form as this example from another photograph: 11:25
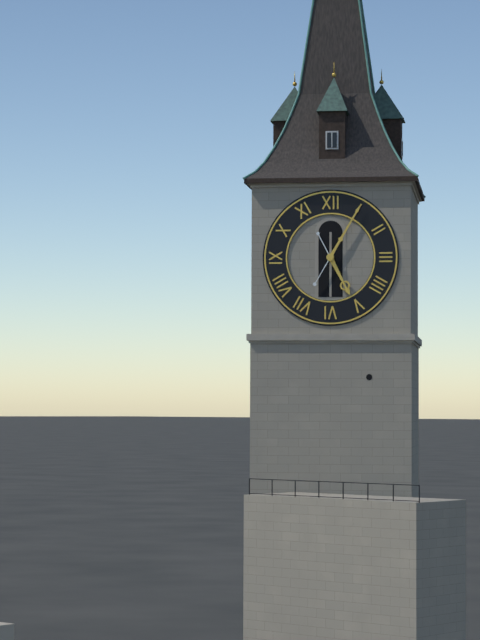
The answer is 5:05
